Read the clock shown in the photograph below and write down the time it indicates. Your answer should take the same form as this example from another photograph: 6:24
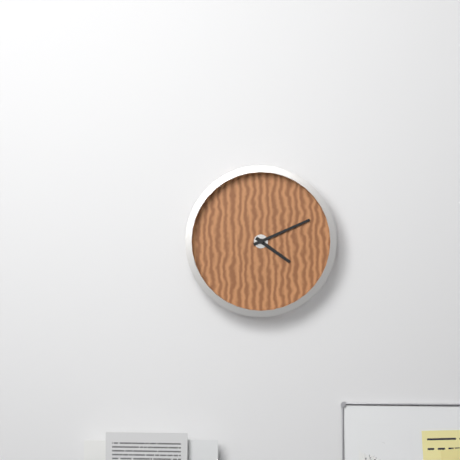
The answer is 4:11
